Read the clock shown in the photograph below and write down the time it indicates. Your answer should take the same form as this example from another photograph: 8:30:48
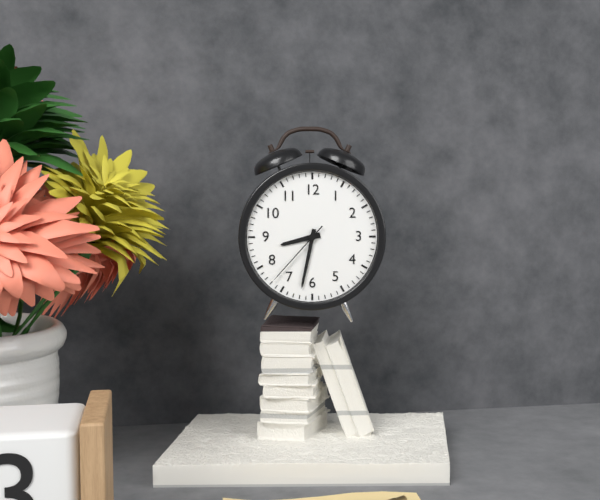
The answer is 8:32:37
